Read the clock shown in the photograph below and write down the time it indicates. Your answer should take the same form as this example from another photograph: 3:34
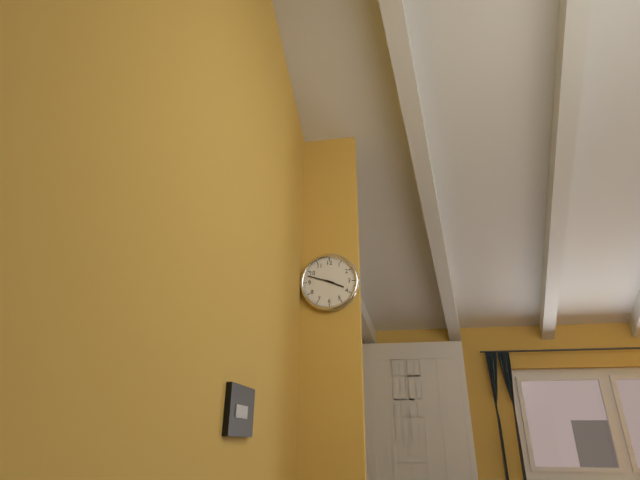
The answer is 3:48
